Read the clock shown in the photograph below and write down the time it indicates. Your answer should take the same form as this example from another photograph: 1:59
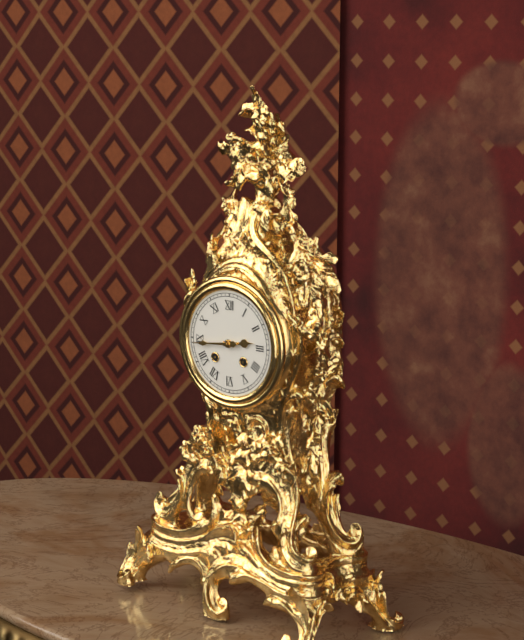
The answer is 2:44
